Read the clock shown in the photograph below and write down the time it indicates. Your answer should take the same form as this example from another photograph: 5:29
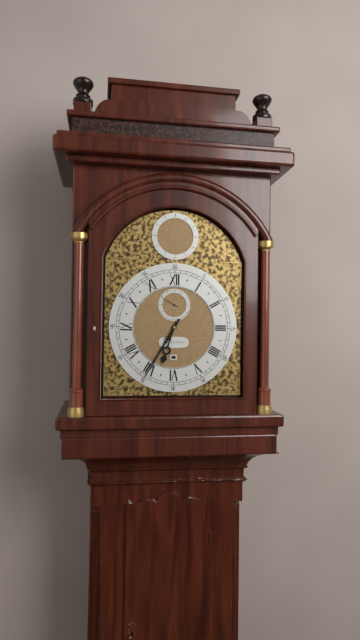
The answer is 6:35
